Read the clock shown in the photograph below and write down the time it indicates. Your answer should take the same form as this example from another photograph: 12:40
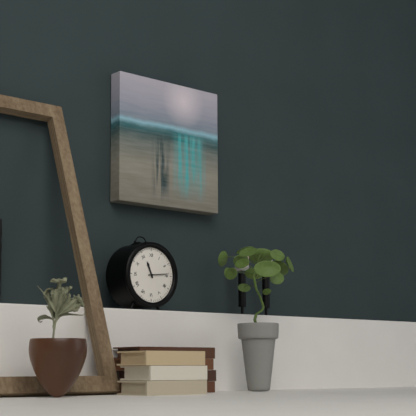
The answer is 11:14
